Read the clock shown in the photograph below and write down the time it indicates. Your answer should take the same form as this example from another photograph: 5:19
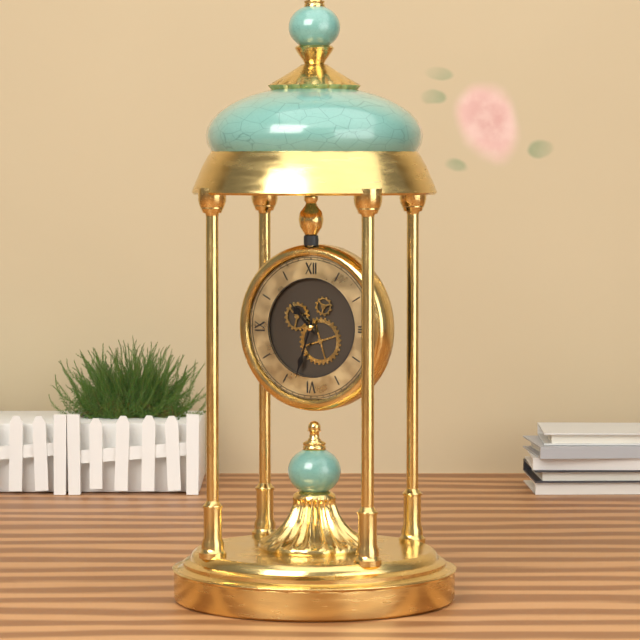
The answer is 10:33
